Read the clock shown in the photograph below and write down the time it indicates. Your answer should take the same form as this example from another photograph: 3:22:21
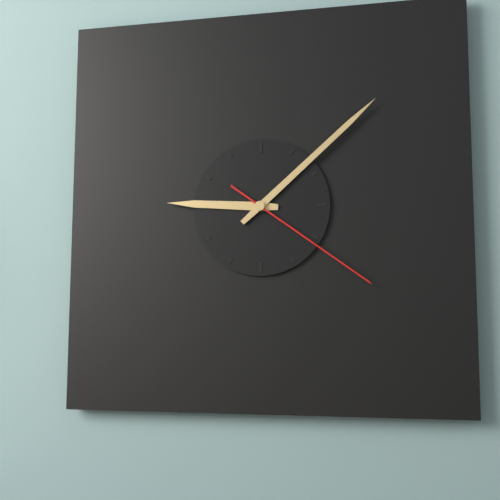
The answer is 9:08:21
